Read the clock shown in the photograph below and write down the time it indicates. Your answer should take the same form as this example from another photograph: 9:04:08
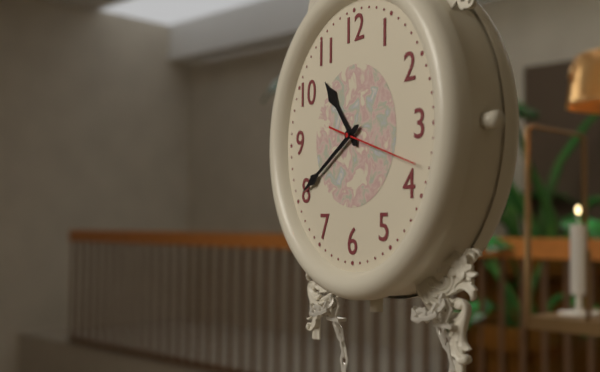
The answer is 10:40:18
